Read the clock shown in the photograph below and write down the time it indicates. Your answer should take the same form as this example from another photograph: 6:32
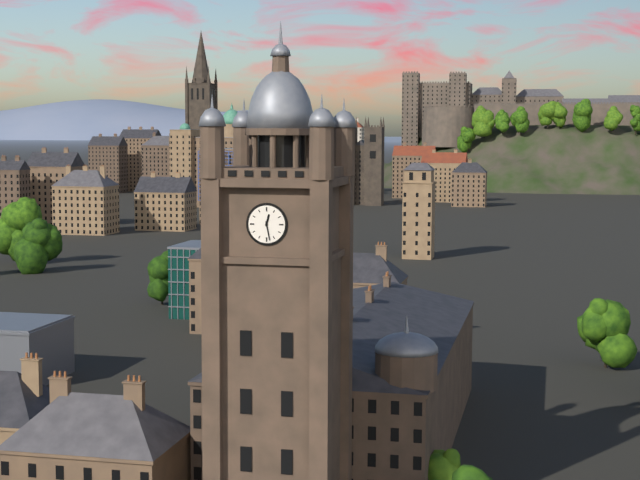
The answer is 12:28
